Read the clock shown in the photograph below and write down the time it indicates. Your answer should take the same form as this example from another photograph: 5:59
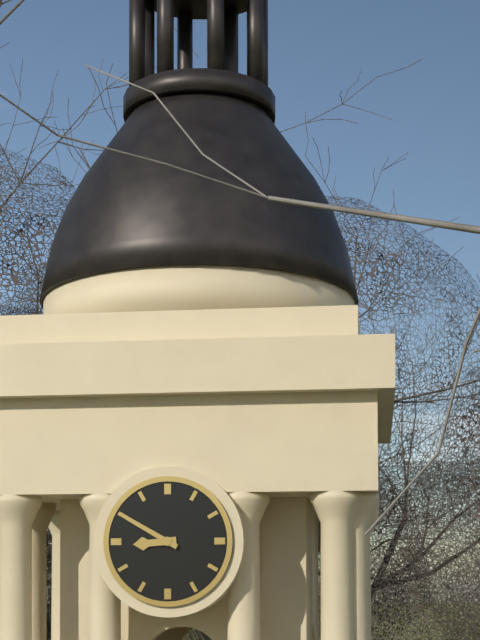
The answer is 8:50
